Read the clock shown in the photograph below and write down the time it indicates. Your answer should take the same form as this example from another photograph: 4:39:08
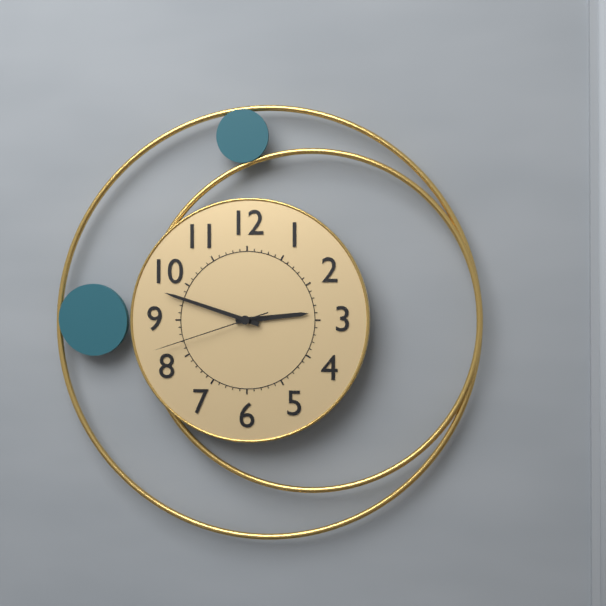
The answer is 2:48:42
